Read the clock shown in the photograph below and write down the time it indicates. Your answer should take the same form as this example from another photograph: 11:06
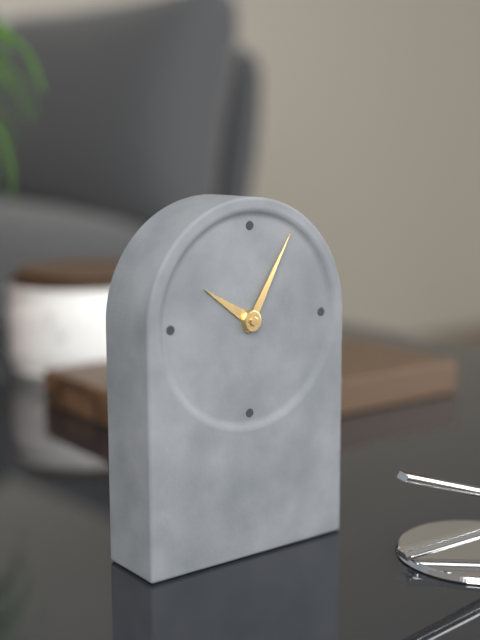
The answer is 10:05
